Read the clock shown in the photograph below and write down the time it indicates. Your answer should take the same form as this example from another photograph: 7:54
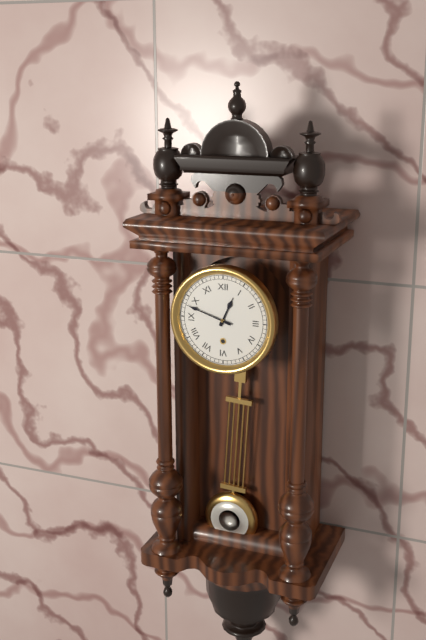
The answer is 12:48
